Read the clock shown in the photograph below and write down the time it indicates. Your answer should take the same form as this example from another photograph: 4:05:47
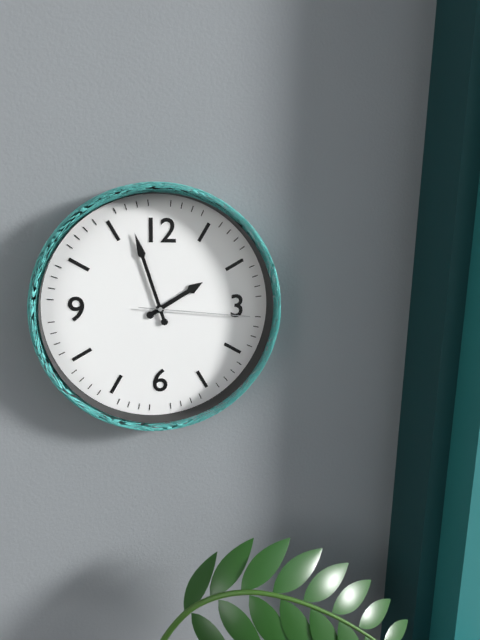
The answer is 1:57:16
